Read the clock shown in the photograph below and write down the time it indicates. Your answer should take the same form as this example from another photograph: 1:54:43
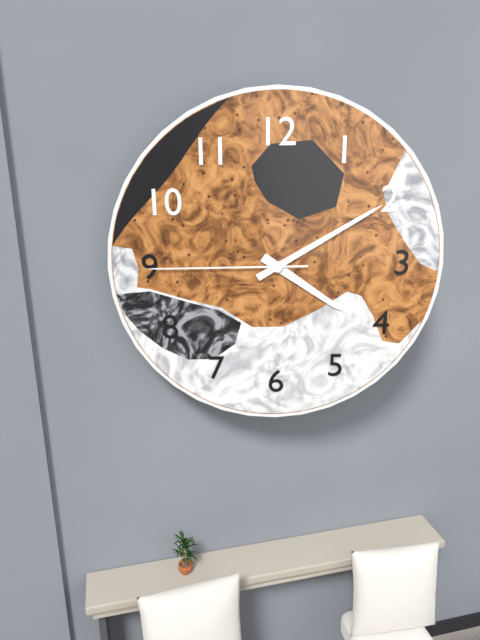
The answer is 4:10:45
